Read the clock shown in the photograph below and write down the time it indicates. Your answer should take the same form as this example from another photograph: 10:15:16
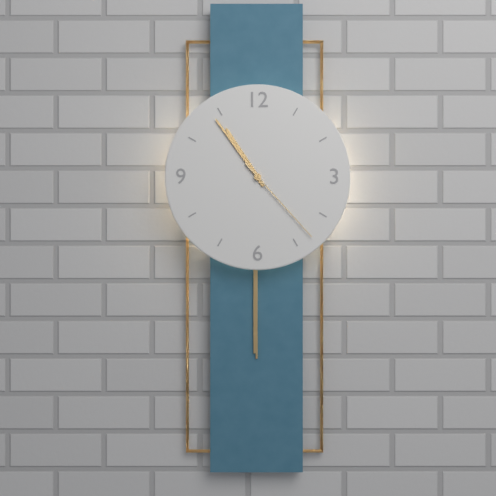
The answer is 10:54:23
